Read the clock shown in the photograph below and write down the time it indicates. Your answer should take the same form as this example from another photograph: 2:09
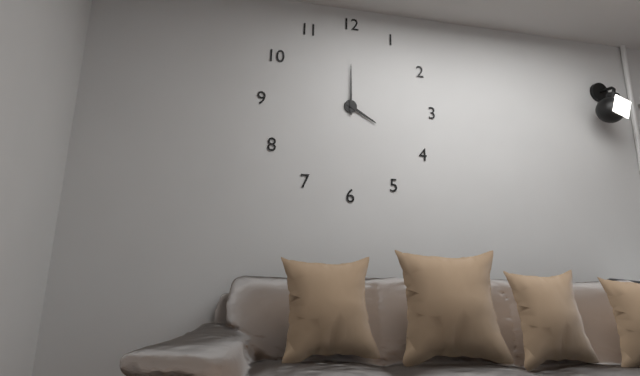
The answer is 4:00
